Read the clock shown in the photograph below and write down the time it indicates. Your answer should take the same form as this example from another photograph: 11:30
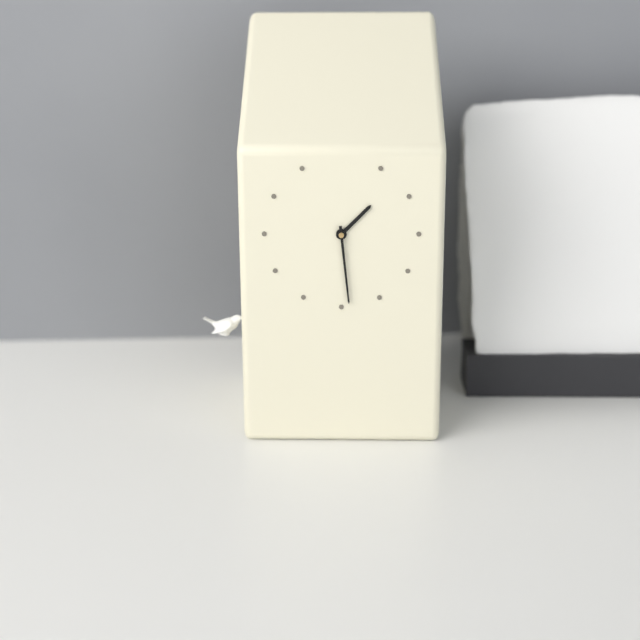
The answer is 1:29
